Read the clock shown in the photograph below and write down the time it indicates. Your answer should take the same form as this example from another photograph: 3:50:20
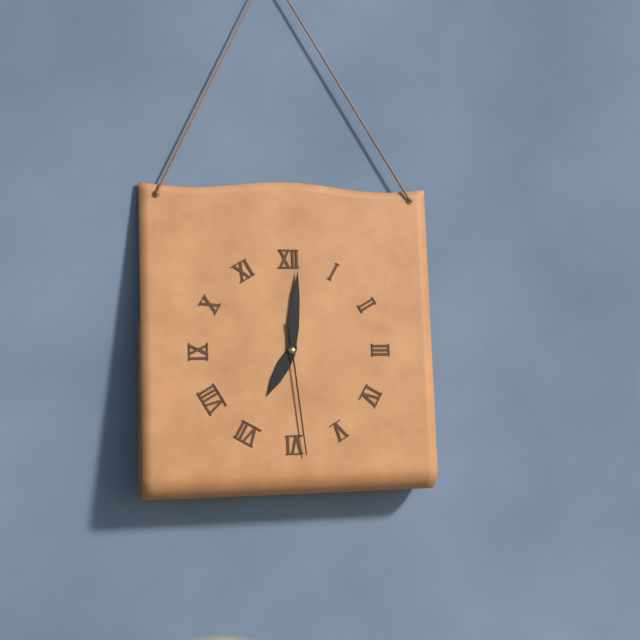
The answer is 7:01:29
